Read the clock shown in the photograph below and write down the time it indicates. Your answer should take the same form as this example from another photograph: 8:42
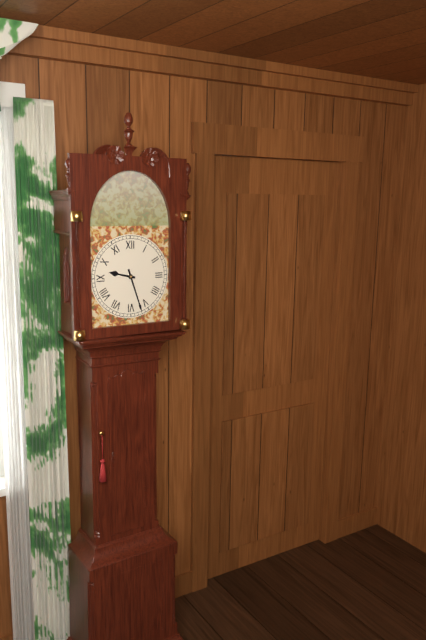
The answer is 9:27
